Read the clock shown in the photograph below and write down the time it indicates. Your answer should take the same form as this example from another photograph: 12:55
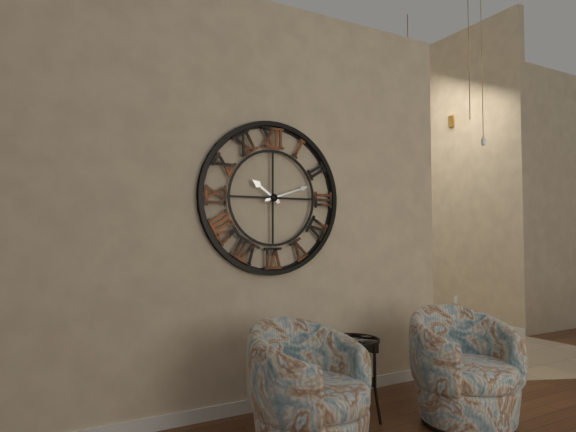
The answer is 10:12
